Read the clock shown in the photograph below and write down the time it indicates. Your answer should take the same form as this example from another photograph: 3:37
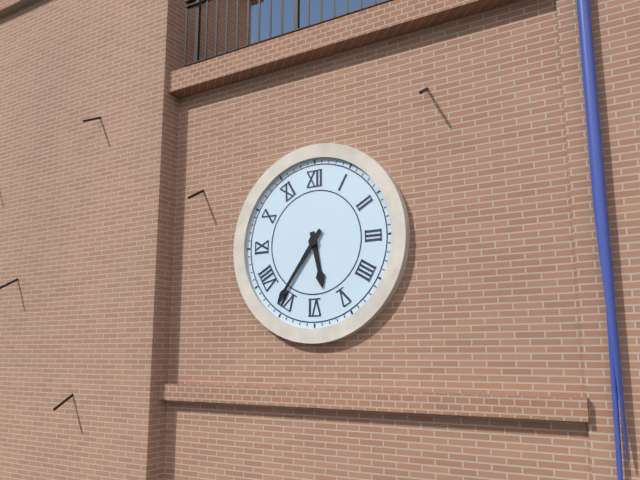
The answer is 5:36
